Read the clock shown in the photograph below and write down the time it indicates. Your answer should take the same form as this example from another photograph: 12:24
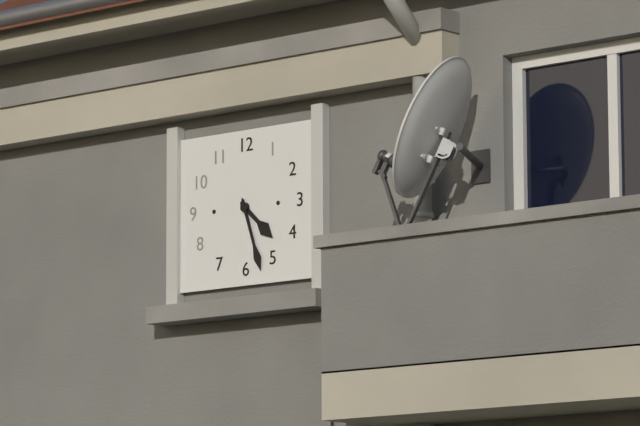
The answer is 4:27
